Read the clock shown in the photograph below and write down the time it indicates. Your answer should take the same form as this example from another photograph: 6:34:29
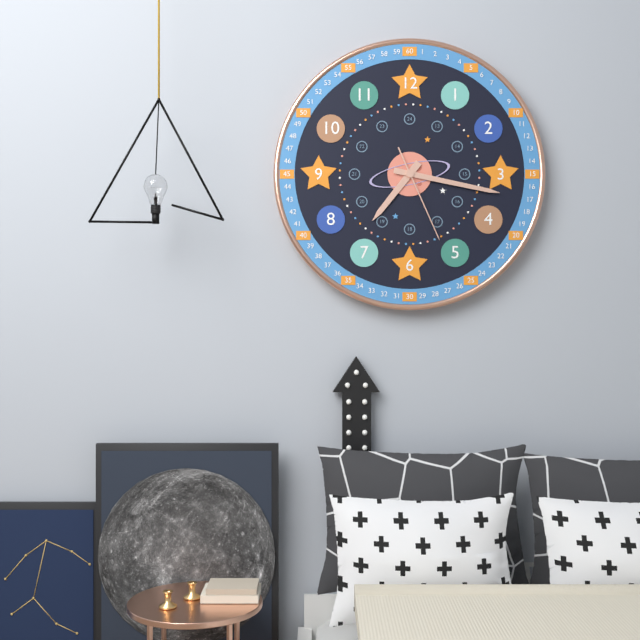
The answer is 7:17:26
